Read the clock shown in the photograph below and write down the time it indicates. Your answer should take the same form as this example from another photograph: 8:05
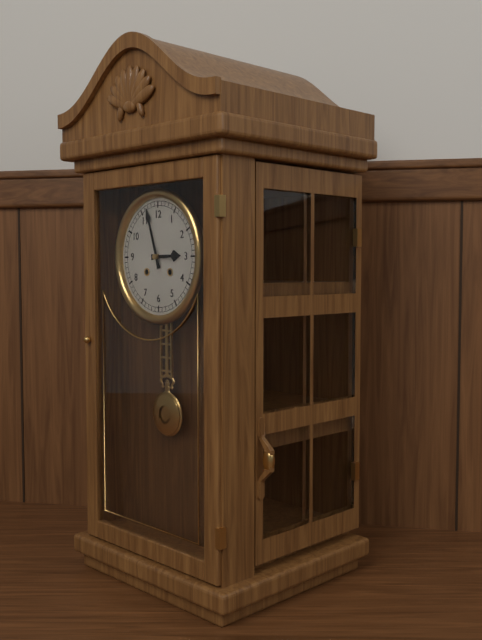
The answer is 2:57
